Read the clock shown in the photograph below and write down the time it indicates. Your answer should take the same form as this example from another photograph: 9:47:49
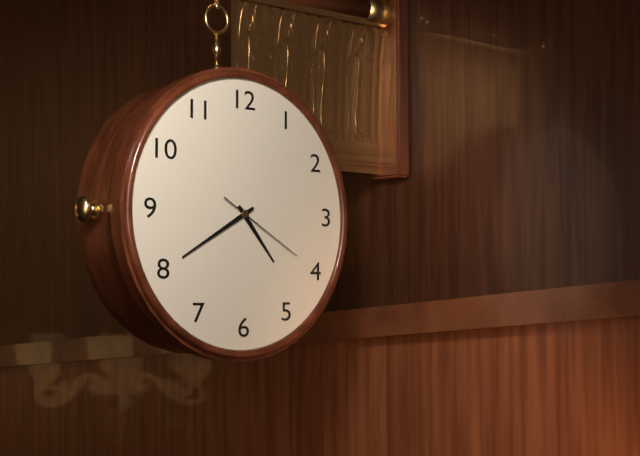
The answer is 4:40:20
